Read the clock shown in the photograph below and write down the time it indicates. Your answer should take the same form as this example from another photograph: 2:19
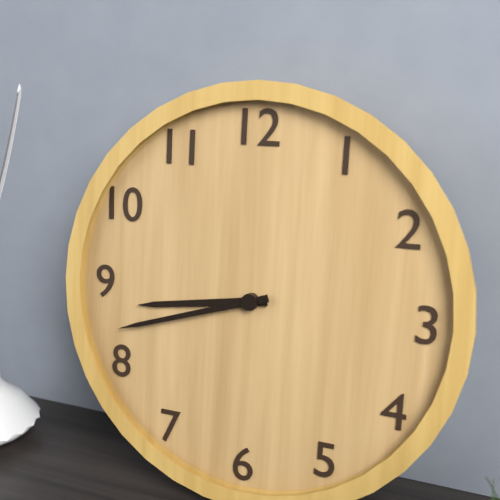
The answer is 8:42
